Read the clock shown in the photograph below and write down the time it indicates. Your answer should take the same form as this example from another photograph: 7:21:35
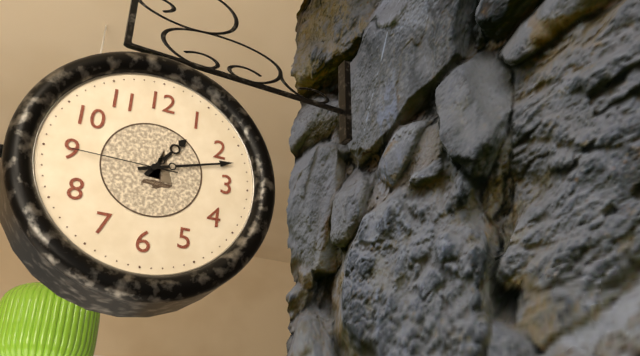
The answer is 1:12:45
